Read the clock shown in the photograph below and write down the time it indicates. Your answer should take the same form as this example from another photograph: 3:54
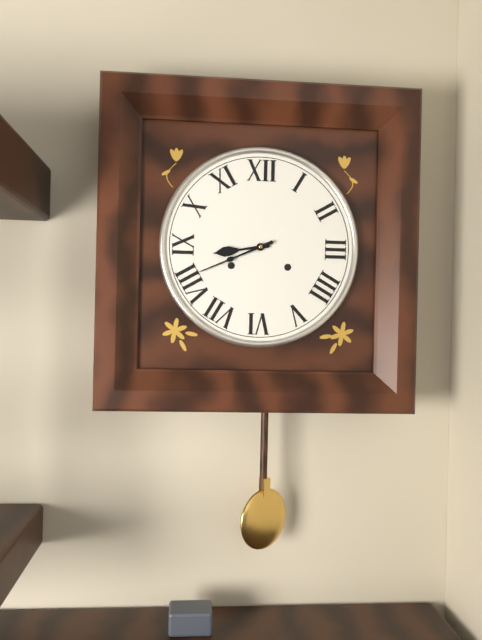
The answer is 8:41
